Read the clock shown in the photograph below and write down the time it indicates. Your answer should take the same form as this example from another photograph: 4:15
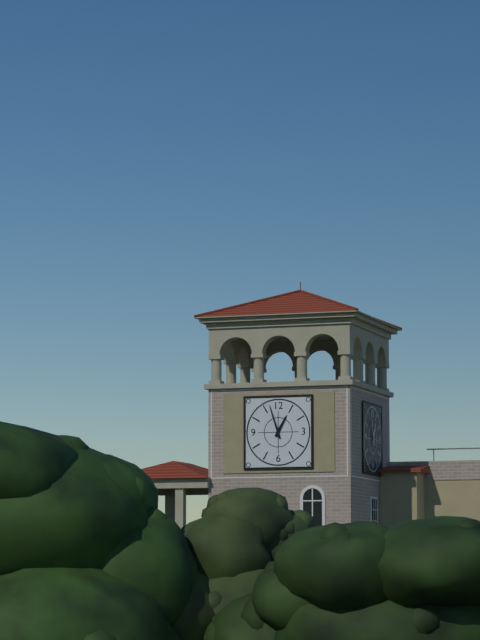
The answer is 12:57
